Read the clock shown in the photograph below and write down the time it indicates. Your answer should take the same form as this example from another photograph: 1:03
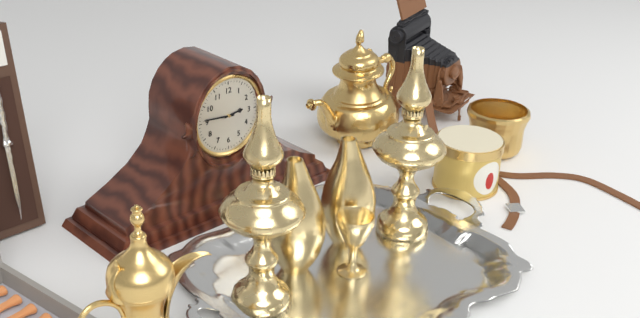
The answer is 2:46
